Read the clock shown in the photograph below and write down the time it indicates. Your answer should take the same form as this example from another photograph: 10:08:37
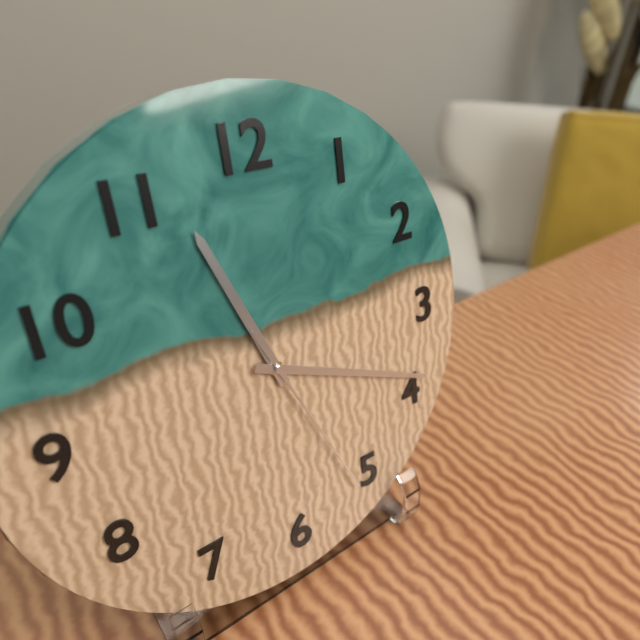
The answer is 11:19:26
